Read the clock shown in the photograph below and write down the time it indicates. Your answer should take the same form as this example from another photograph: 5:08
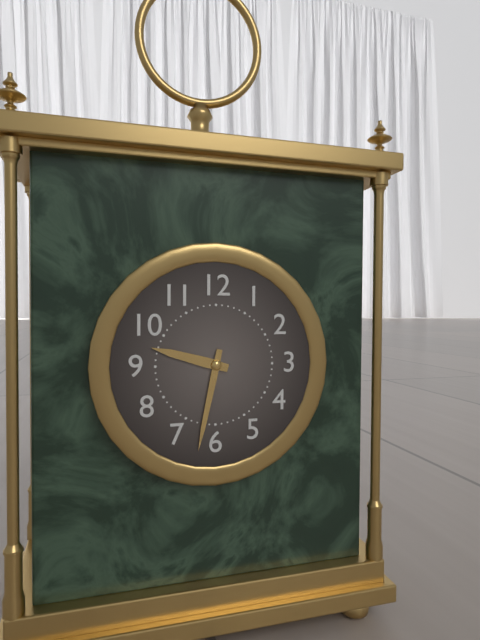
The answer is 9:32
